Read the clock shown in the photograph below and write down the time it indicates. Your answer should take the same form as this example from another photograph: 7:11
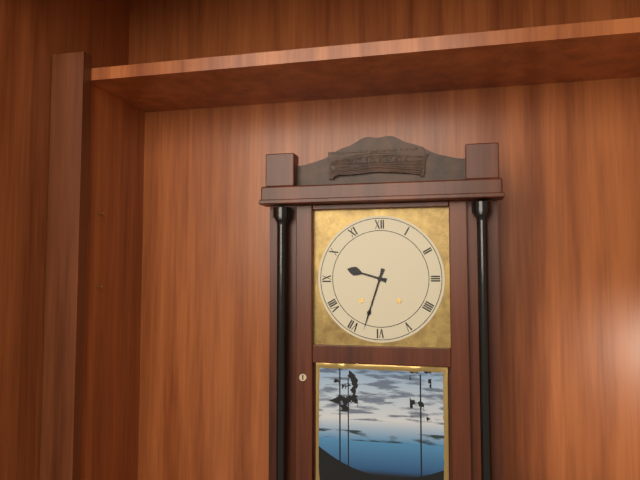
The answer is 9:33
